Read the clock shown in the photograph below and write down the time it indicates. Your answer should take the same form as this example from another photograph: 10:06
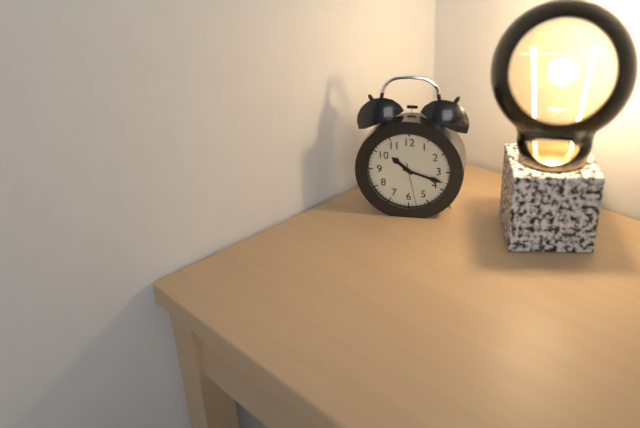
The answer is 10:18
